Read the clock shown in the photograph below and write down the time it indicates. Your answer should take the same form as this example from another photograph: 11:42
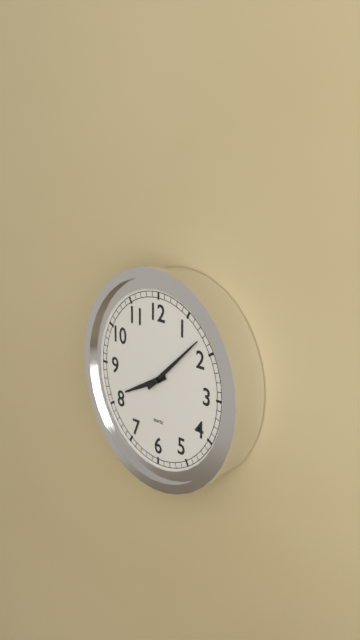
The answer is 8:08
